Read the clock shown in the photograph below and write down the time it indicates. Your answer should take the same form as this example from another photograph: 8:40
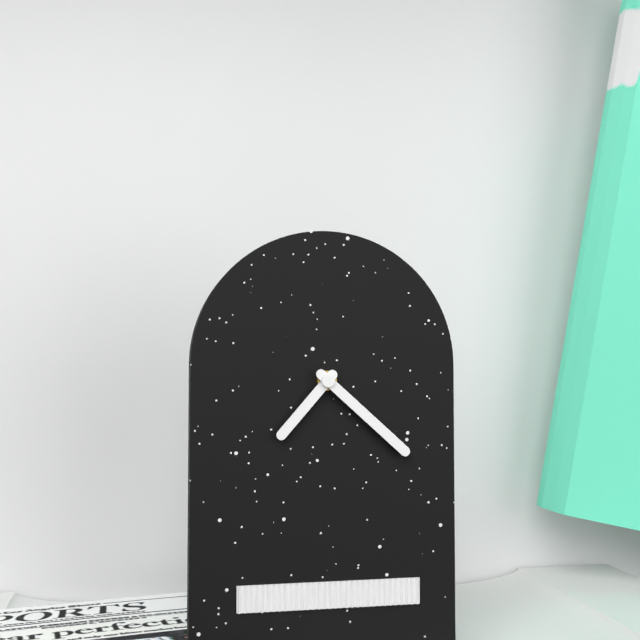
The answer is 7:22
